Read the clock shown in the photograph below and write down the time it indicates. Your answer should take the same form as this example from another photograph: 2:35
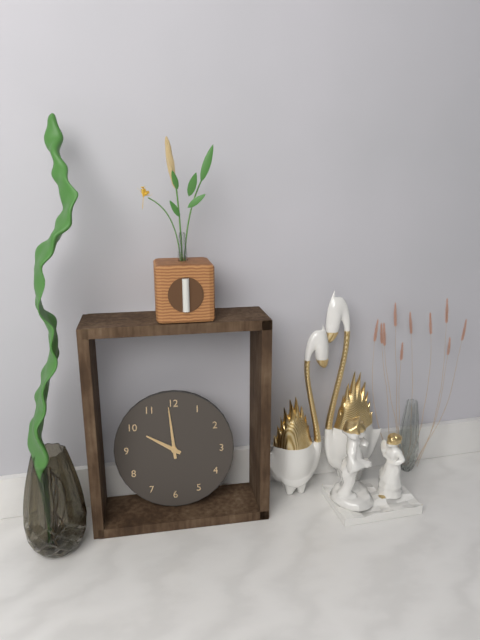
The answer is 9:59
